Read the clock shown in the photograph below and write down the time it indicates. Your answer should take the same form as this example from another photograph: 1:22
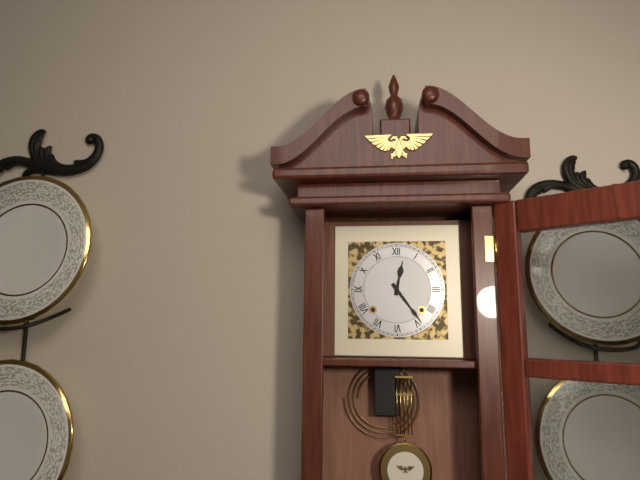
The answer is 12:24
